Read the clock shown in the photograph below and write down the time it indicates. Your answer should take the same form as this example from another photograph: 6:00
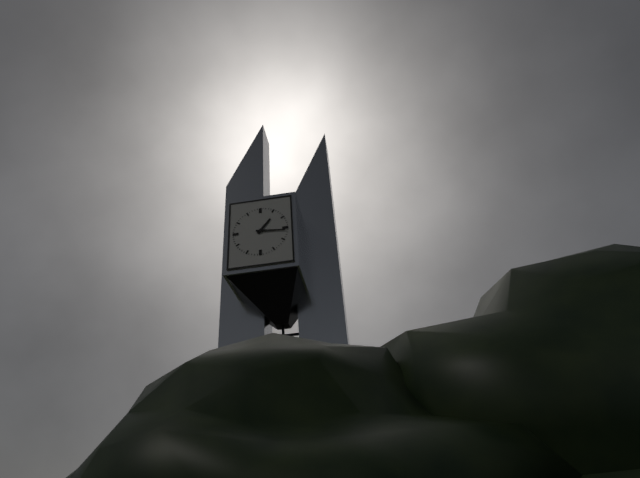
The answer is 1:16
